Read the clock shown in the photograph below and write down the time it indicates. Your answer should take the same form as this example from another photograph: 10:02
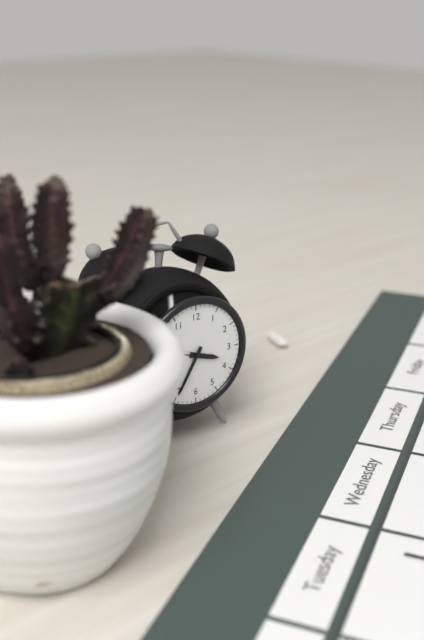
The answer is 3:35
